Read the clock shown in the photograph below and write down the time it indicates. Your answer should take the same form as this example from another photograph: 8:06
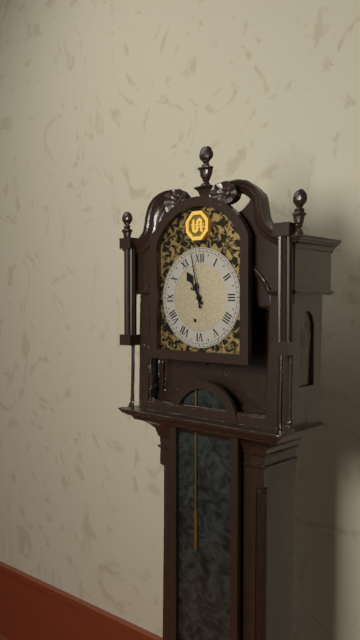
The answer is 10:58
